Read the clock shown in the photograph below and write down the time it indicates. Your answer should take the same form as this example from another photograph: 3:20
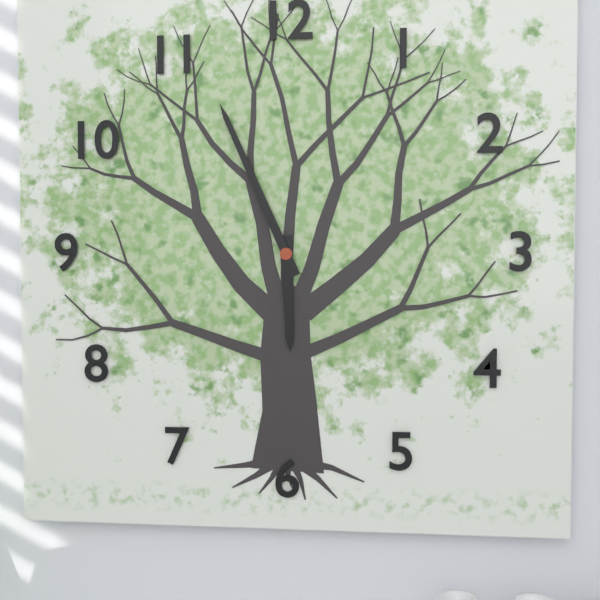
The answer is 5:56
